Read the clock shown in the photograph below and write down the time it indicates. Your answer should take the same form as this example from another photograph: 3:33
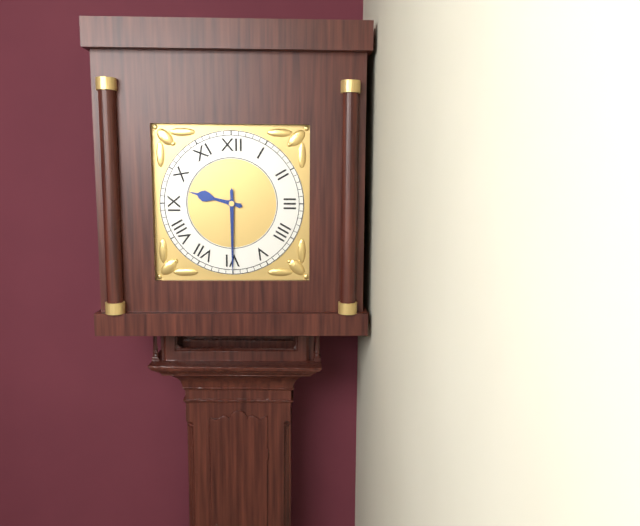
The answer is 9:30
